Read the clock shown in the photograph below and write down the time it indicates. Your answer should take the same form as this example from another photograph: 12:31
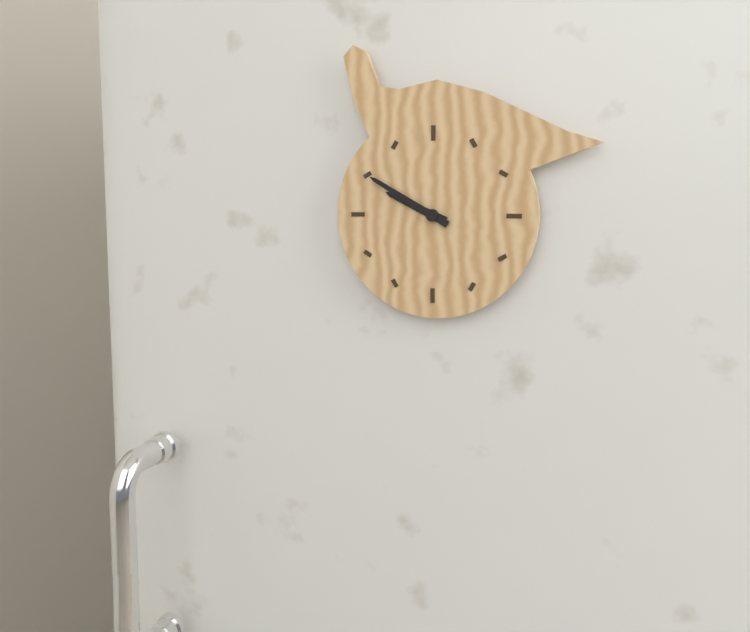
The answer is 9:50
